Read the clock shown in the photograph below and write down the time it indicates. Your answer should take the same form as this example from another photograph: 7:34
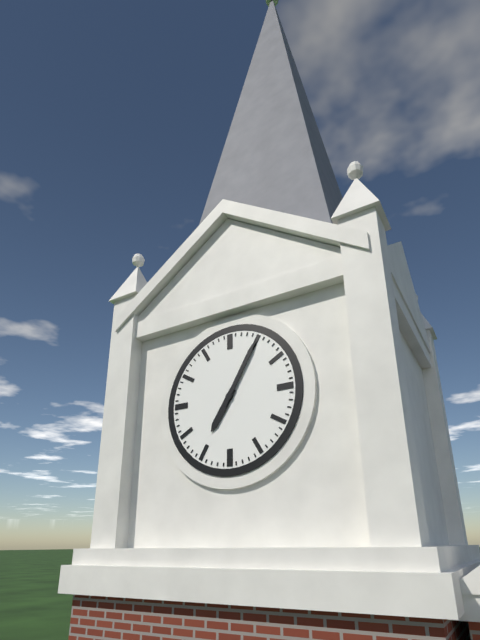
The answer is 7:05
